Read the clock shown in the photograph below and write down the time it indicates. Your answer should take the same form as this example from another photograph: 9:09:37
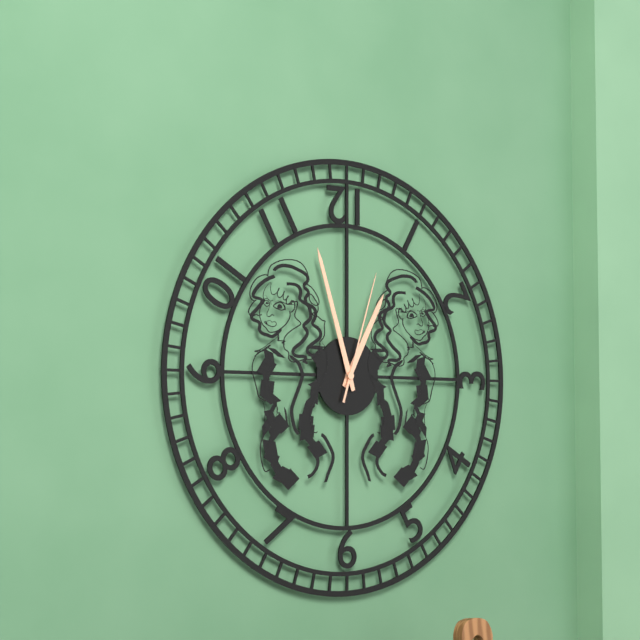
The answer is 12:57:03
